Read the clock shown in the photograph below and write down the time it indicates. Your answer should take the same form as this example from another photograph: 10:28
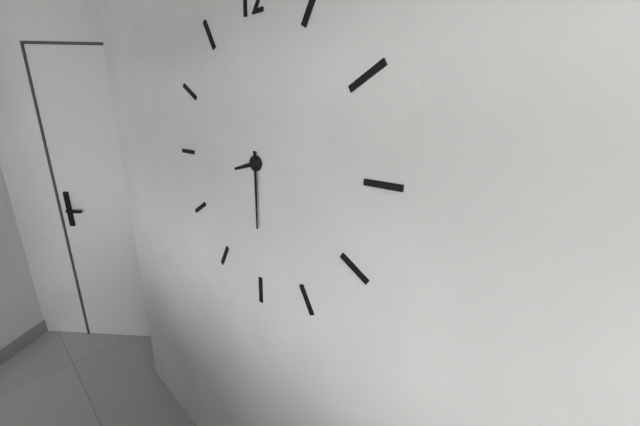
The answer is 8:30
